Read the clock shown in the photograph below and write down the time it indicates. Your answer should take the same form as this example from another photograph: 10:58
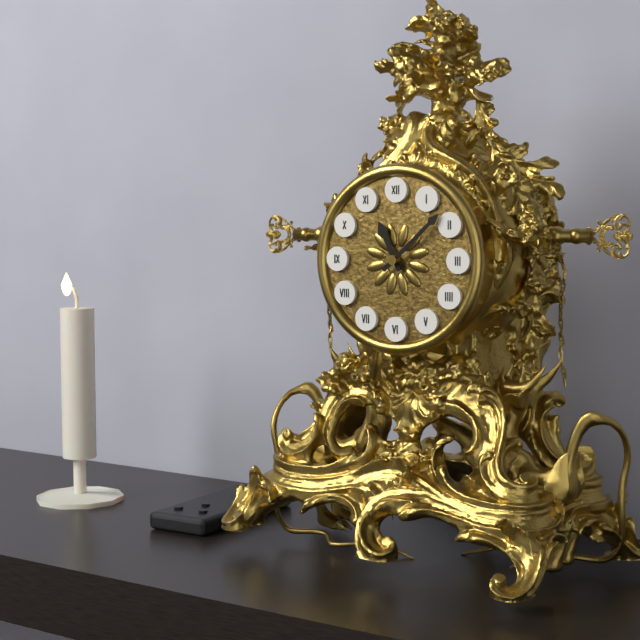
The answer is 11:08
